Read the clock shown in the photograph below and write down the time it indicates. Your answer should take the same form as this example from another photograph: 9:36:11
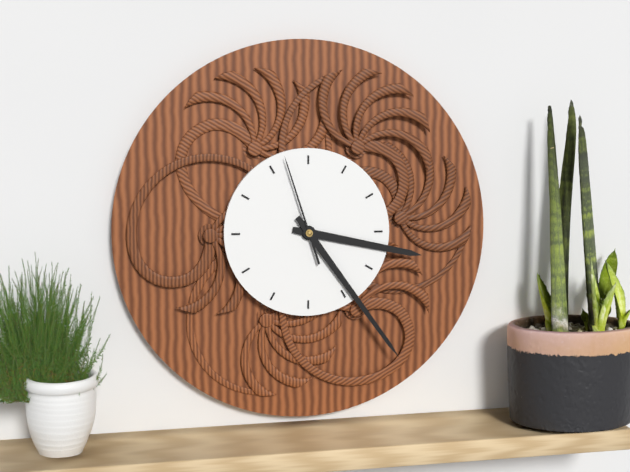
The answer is 3:24:57
